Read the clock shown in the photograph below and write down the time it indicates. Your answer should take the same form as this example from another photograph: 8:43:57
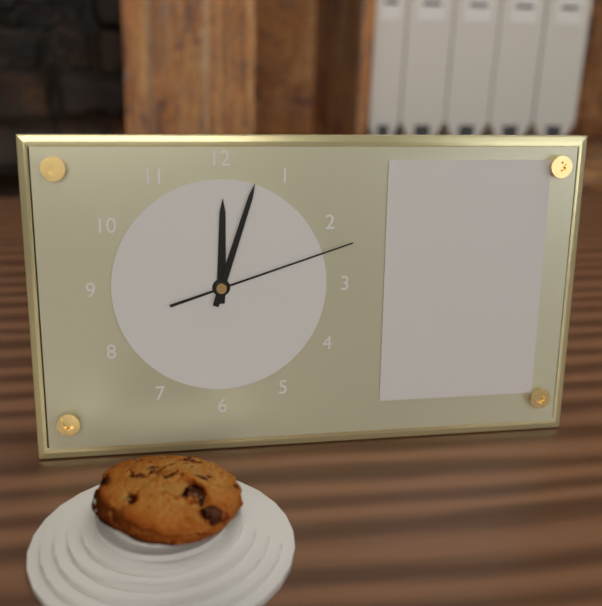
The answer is 12:03:12
